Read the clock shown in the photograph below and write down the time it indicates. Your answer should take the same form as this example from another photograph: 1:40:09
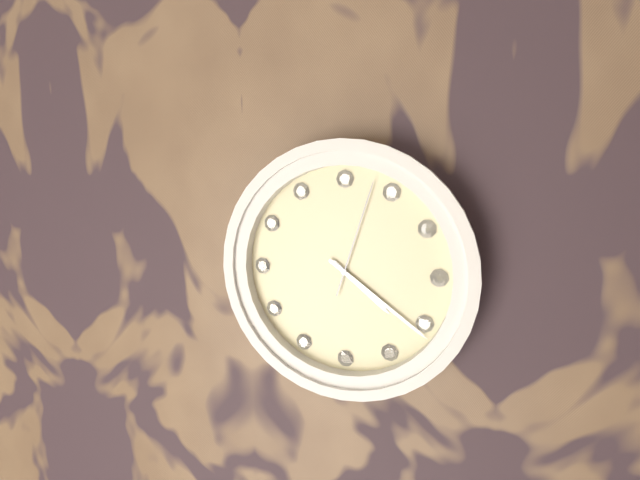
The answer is 4:21:03
